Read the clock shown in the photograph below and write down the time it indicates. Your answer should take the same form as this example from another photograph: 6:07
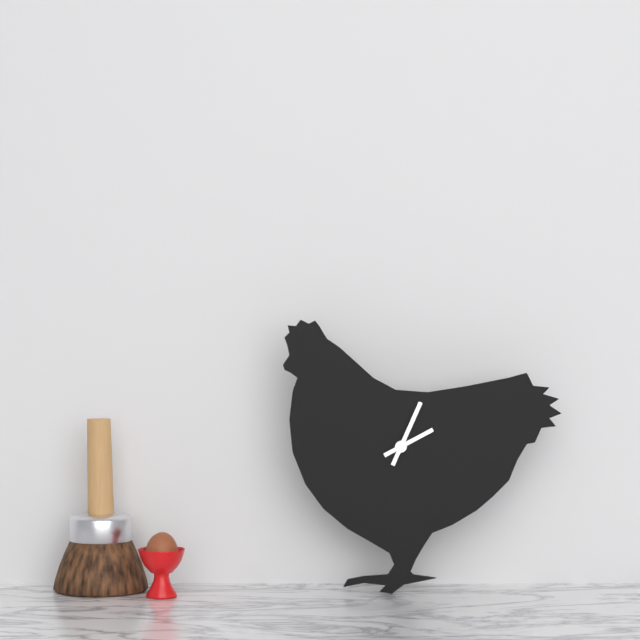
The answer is 2:04
